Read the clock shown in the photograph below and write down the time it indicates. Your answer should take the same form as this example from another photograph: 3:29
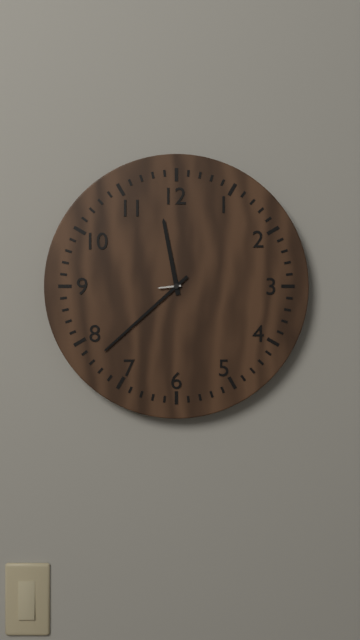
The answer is 11:38
